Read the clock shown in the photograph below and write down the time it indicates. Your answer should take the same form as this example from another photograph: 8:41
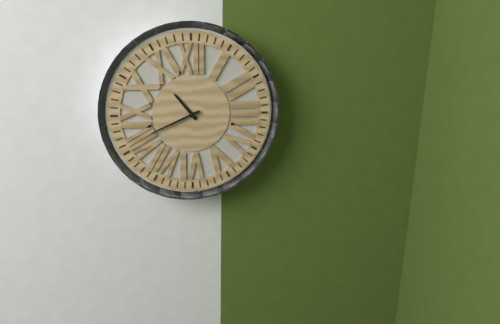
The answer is 10:41
